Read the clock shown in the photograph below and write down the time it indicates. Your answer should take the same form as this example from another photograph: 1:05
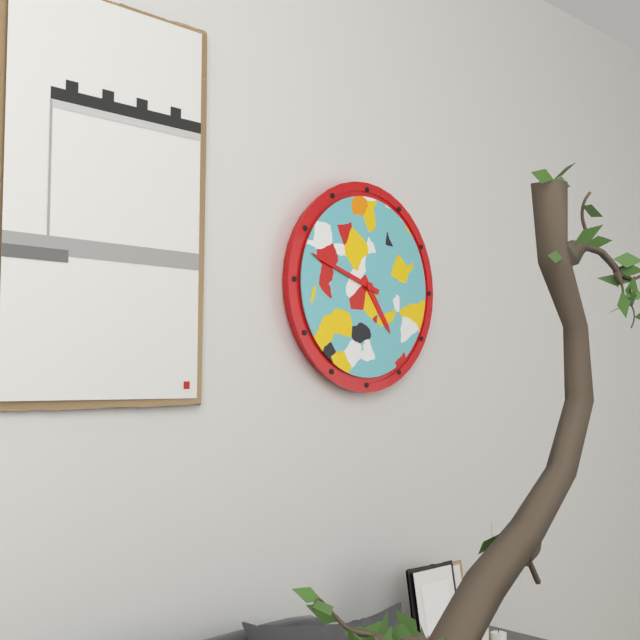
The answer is 4:48
